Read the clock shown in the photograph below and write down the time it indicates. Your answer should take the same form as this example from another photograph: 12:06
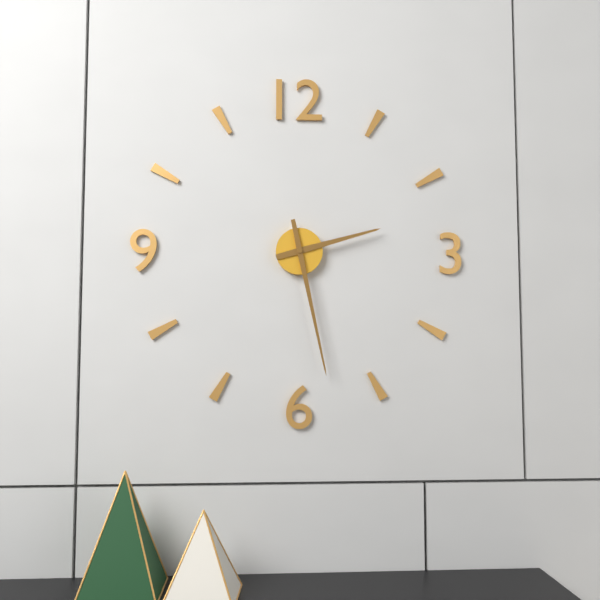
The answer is 2:28
